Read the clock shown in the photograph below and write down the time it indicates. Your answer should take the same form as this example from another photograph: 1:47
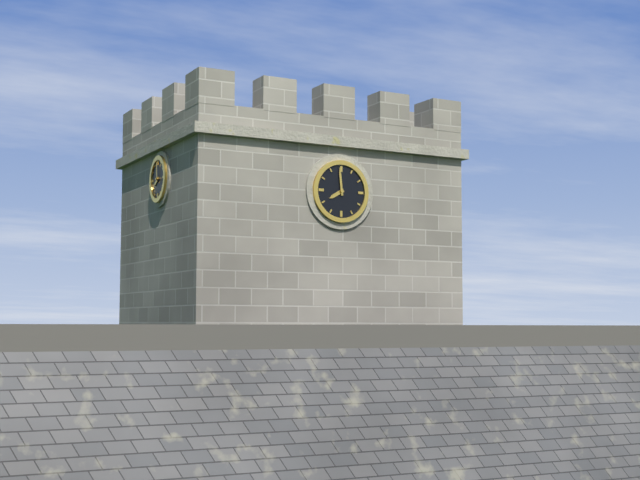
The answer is 7:59
